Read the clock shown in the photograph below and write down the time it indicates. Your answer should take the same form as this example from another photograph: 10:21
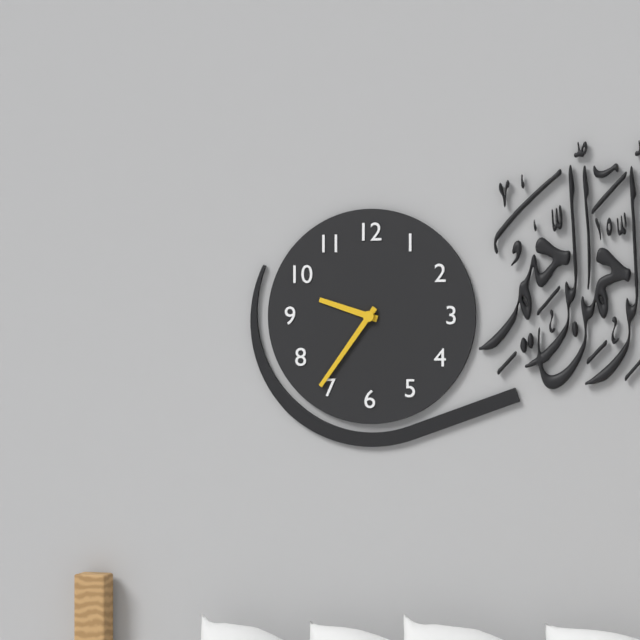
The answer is 9:36
